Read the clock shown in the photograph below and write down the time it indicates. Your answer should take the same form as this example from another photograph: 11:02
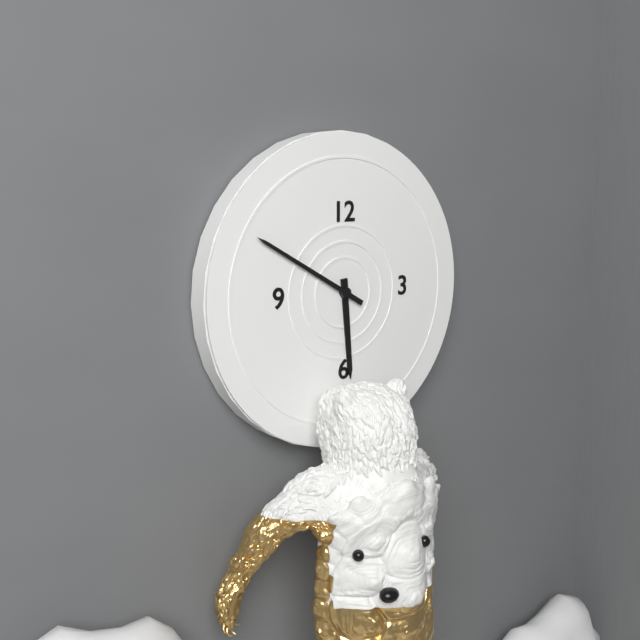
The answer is 5:50
